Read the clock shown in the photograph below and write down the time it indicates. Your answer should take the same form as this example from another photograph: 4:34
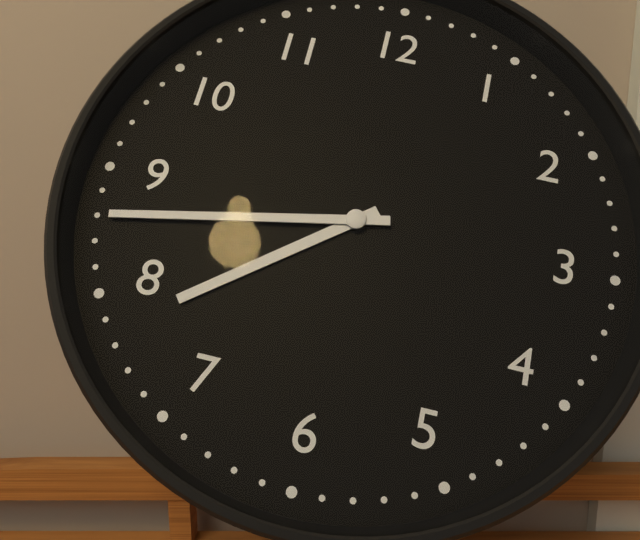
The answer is 7:43
